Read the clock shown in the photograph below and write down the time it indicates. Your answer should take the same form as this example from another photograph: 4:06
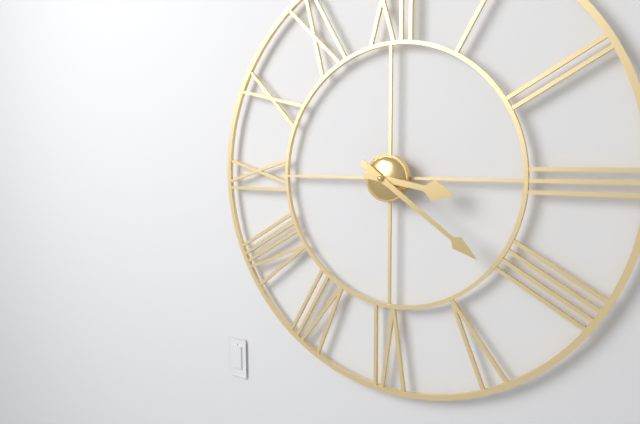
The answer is 3:21
